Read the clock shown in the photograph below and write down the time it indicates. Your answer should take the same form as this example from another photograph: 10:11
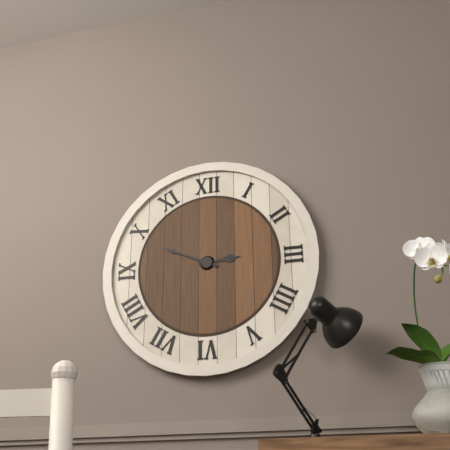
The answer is 2:49
